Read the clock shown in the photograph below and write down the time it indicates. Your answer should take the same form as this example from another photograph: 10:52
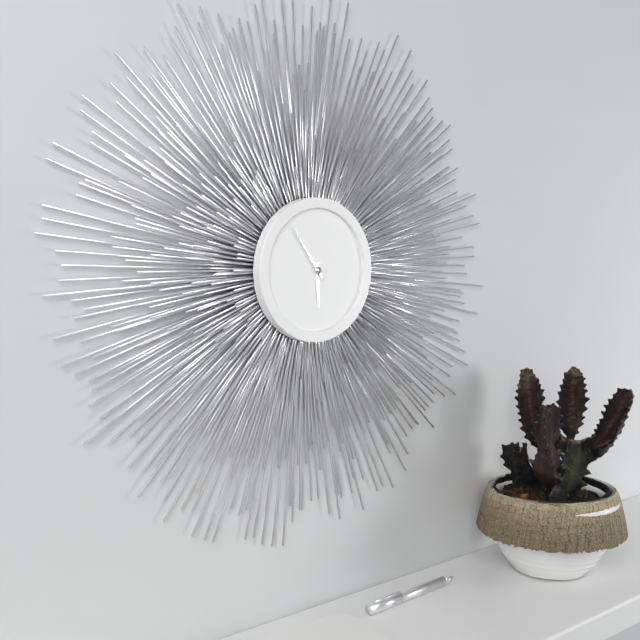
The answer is 5:54
